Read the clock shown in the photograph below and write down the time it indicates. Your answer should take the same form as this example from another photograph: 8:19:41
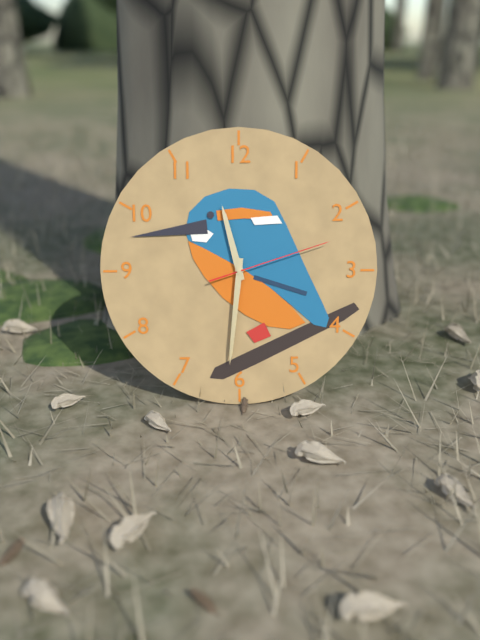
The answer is 11:31:12
